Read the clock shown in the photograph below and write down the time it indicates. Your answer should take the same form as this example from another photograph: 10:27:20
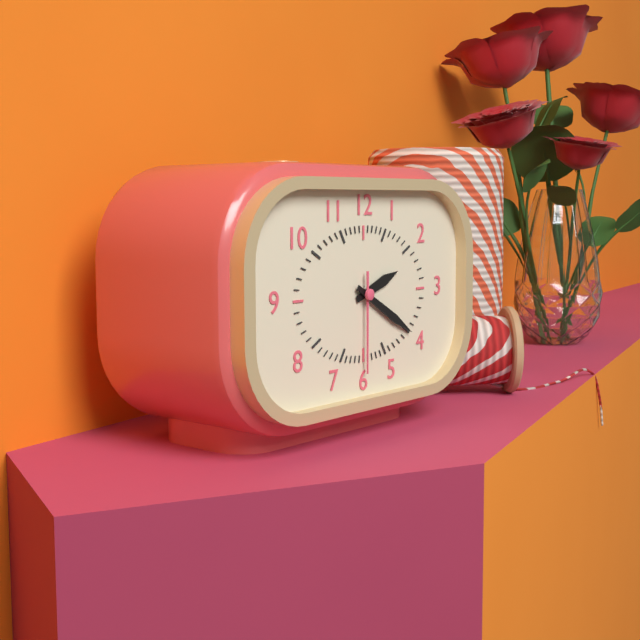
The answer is 2:20:30
